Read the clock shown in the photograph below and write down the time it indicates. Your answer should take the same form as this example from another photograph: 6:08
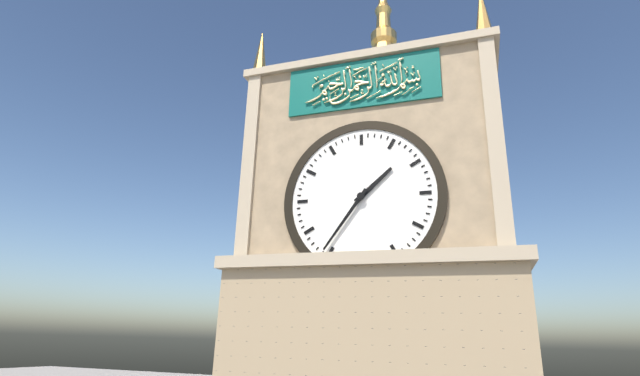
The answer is 1:36
